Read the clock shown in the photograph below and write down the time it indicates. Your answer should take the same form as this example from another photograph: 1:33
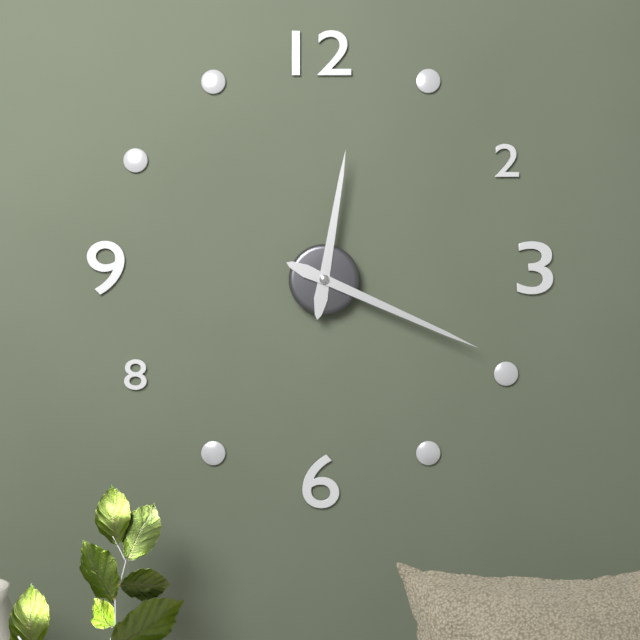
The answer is 12:19
